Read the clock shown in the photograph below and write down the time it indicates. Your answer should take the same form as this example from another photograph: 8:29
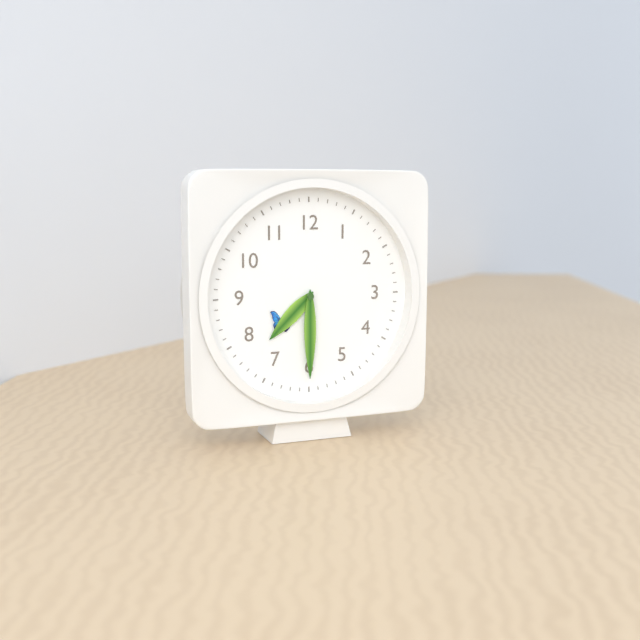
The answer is 7:30
